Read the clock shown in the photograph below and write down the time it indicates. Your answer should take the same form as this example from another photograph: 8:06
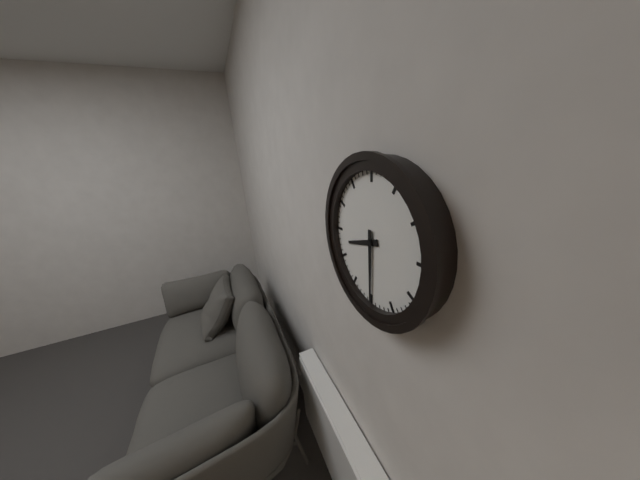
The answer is 8:30
